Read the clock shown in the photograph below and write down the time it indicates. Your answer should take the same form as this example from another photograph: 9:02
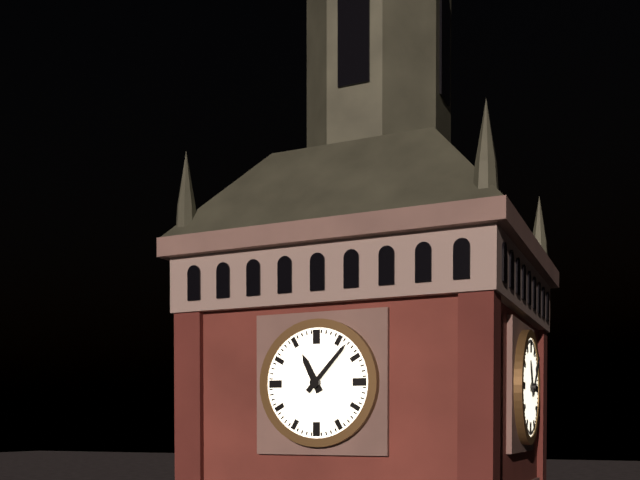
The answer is 11:07
